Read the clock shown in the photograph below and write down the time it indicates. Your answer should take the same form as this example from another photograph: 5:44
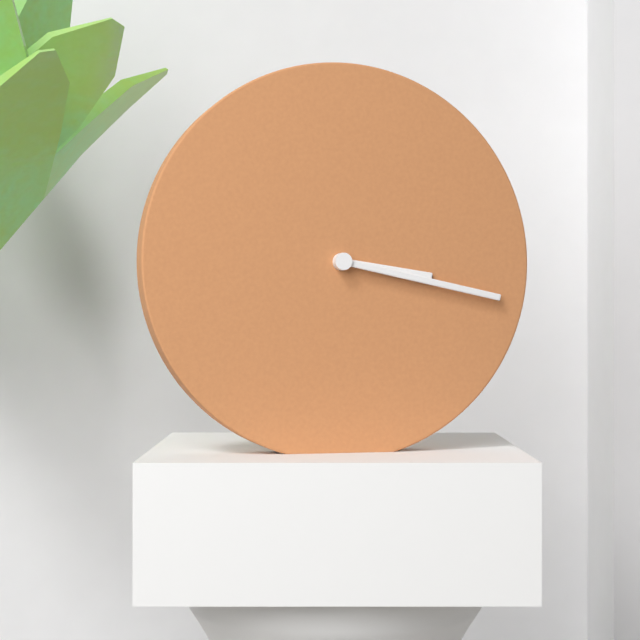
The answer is 3:17
